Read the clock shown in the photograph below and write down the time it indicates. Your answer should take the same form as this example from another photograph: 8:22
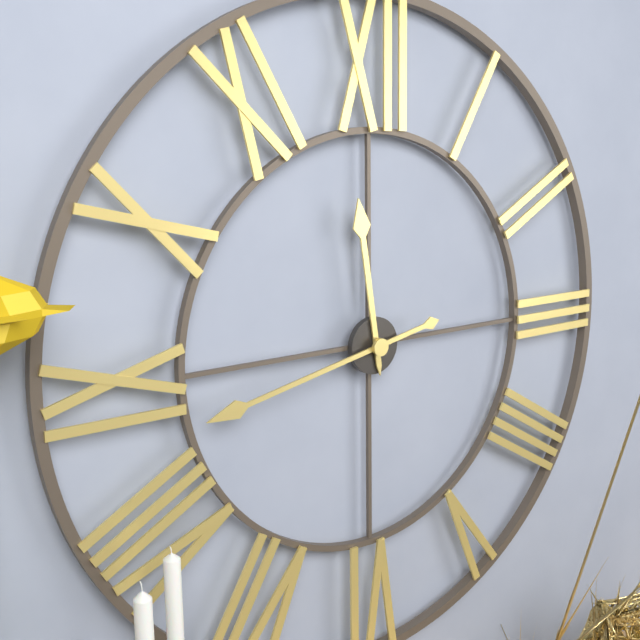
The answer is 11:43
